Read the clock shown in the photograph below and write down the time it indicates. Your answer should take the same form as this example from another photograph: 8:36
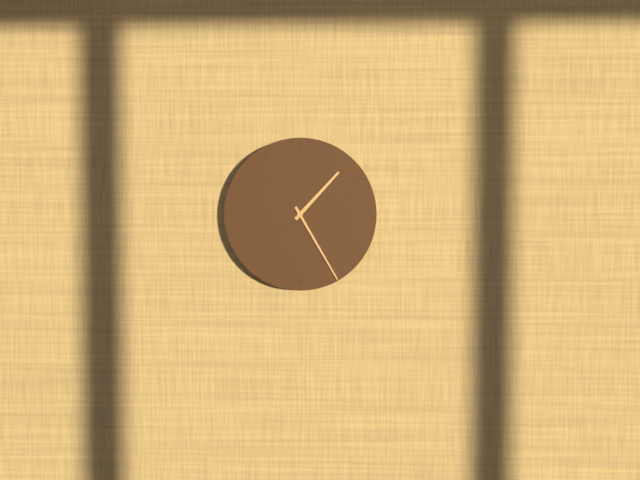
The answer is 1:25
